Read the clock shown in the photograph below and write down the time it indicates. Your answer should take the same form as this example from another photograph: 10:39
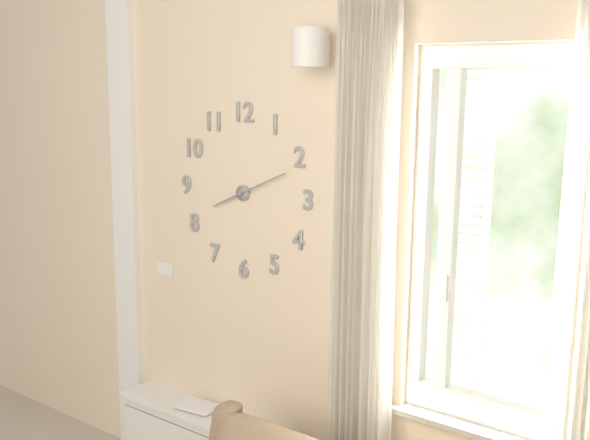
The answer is 8:11
